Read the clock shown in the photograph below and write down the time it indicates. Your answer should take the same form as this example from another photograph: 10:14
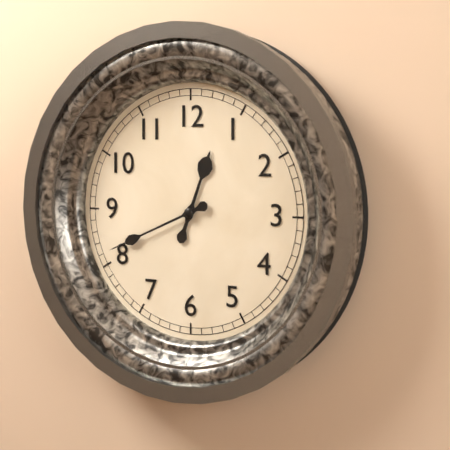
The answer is 12:41
